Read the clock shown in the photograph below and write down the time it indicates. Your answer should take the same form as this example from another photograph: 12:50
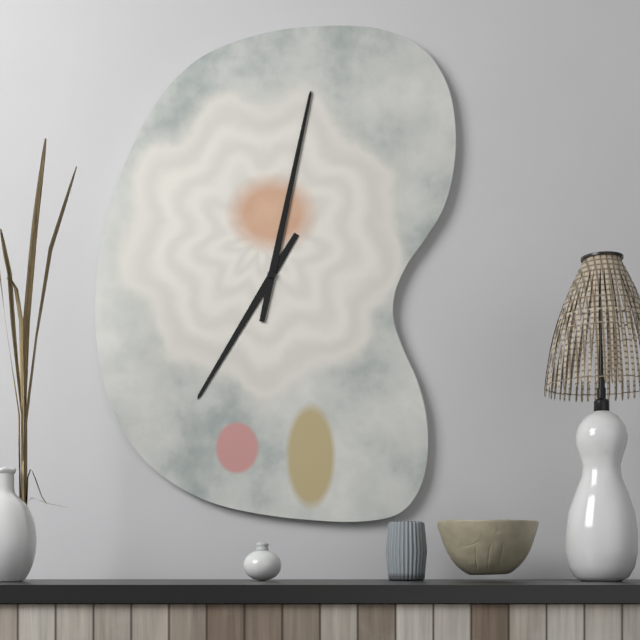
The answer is 7:02
